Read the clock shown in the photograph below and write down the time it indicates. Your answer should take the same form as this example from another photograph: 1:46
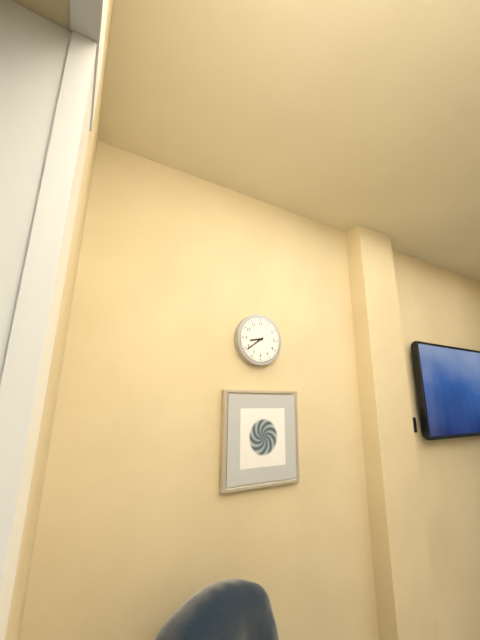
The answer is 8:39
